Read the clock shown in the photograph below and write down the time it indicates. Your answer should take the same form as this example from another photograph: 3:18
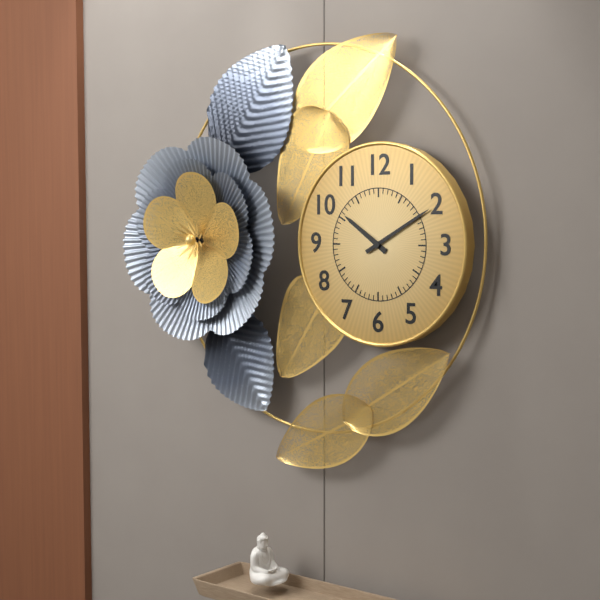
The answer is 10:10
